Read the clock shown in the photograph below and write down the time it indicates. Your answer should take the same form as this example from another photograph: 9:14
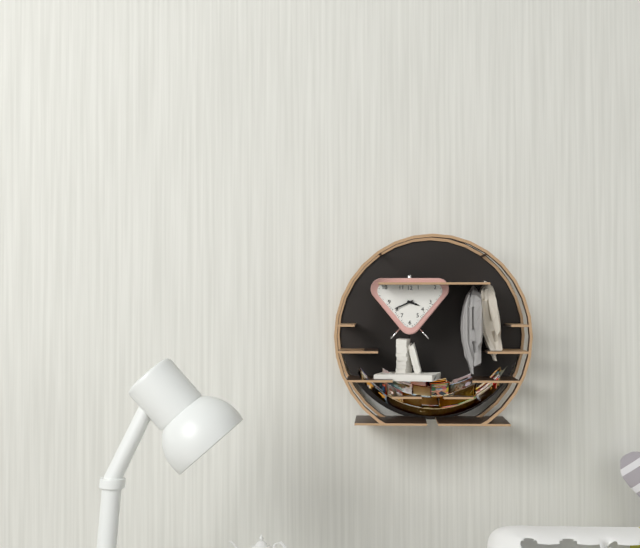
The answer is 3:41
